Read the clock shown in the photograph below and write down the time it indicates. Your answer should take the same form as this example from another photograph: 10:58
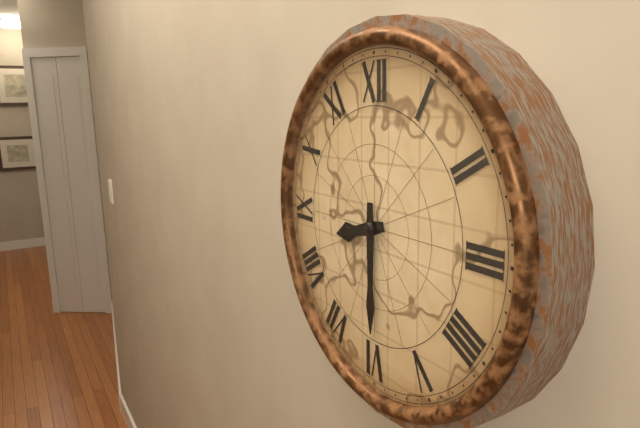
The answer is 8:30
